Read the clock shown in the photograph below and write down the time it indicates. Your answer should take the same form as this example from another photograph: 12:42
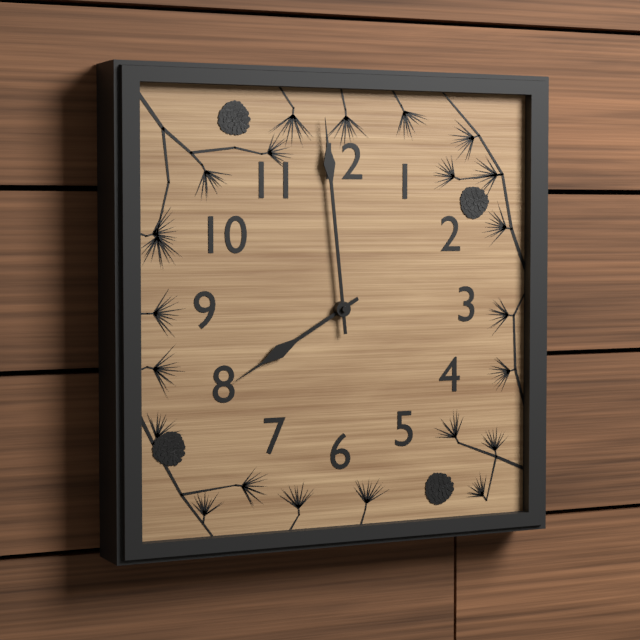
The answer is 7:59
